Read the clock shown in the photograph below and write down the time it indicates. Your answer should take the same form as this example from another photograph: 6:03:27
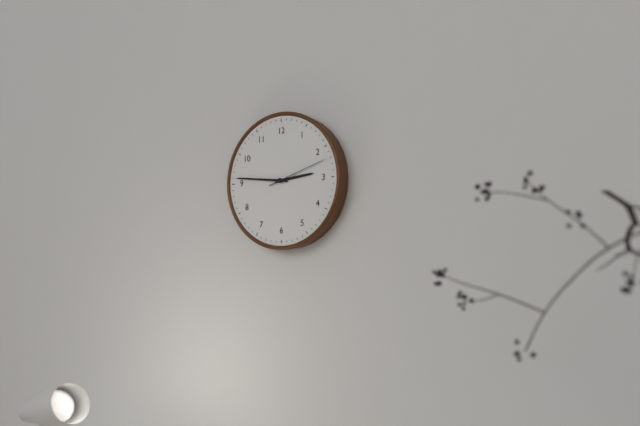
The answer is 2:46:12
